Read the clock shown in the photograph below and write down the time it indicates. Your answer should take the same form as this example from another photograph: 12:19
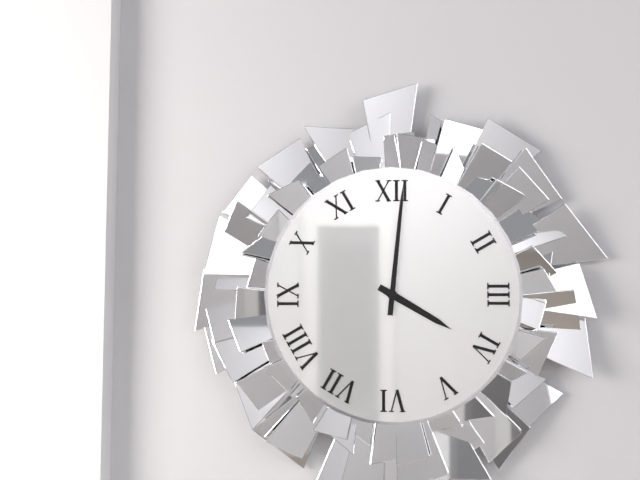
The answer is 4:01
